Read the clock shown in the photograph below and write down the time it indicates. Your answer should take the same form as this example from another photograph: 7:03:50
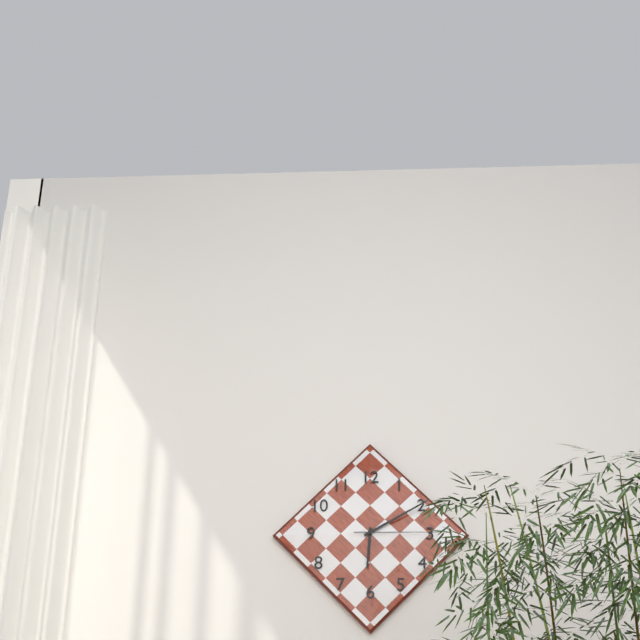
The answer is 6:10:15
